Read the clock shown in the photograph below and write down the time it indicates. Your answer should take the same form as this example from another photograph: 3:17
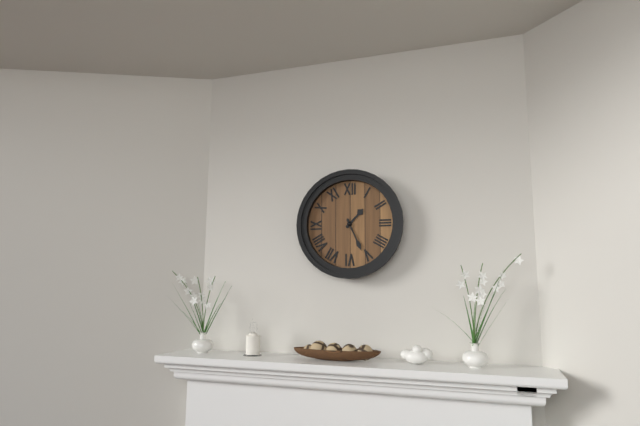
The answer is 1:26
